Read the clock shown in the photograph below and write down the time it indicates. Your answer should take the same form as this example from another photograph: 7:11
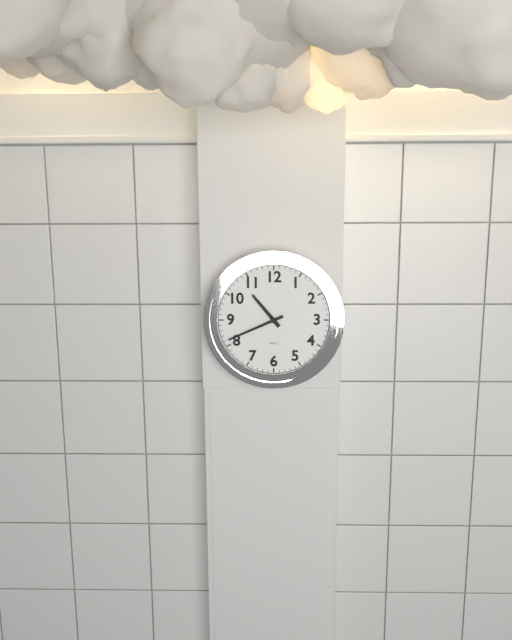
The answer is 10:41
